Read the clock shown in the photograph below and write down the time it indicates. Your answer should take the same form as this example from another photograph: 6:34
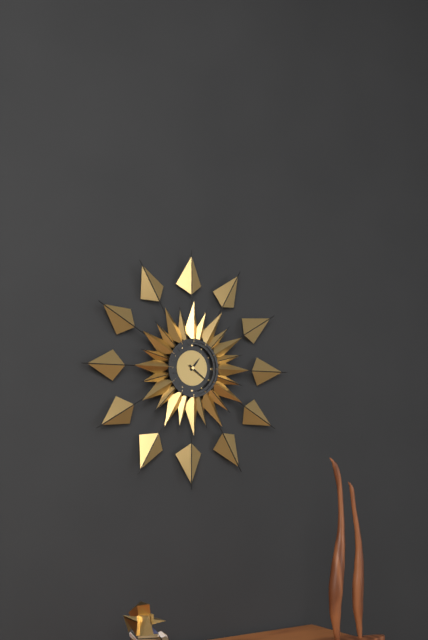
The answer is 1:21
